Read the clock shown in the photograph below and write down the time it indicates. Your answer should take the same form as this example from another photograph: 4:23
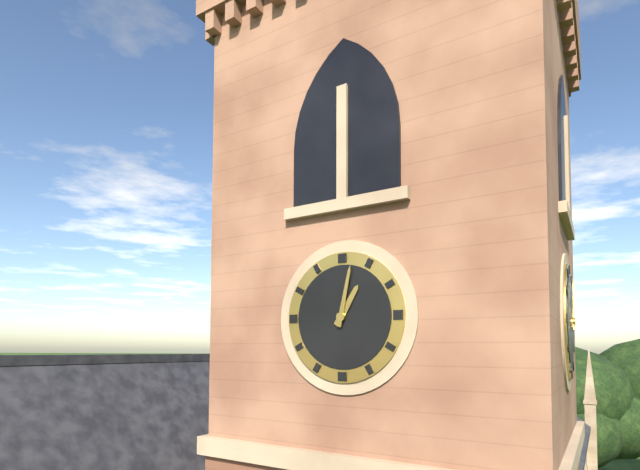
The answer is 1:02
